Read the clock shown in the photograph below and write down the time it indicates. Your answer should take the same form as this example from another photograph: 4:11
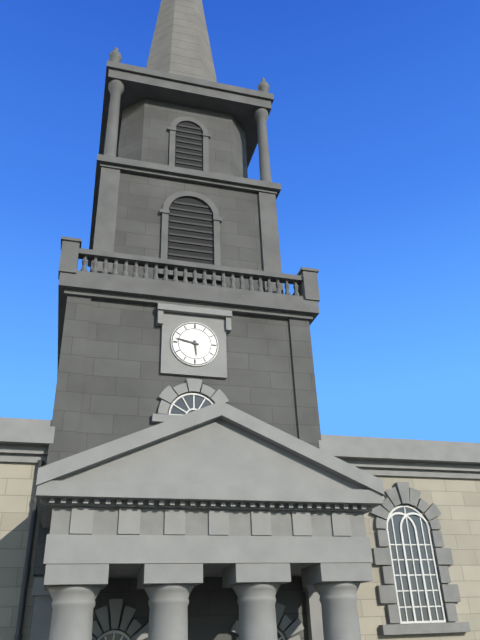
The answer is 5:47
